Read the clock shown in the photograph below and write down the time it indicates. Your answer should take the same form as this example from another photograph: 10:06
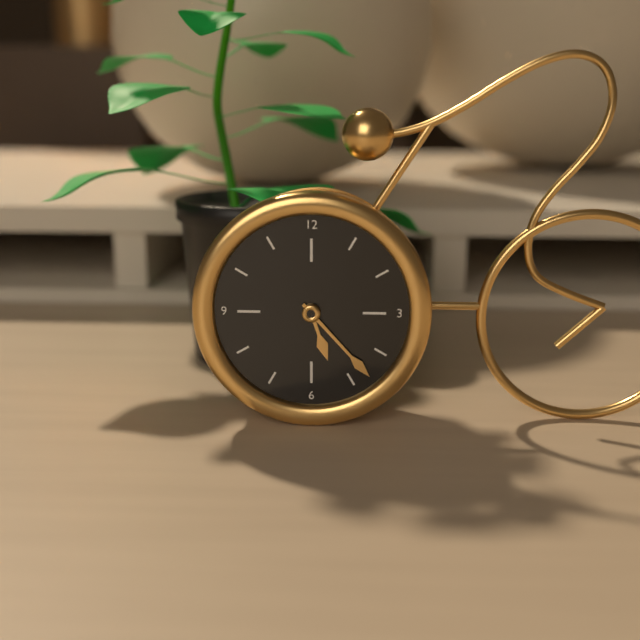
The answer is 5:23
